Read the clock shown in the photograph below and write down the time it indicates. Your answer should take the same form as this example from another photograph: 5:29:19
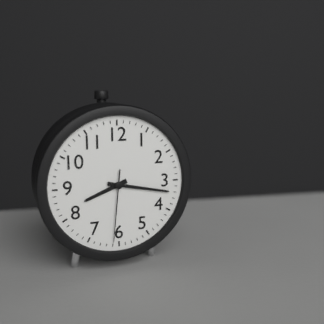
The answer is 8:17:31
